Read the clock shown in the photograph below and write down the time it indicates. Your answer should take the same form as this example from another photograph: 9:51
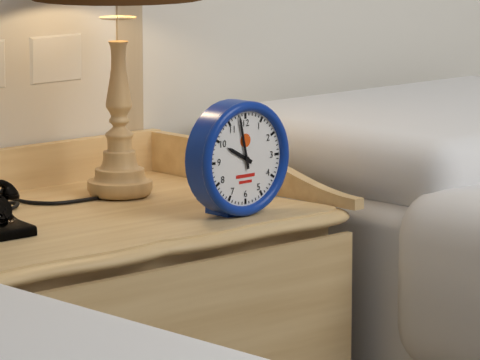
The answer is 9:58
